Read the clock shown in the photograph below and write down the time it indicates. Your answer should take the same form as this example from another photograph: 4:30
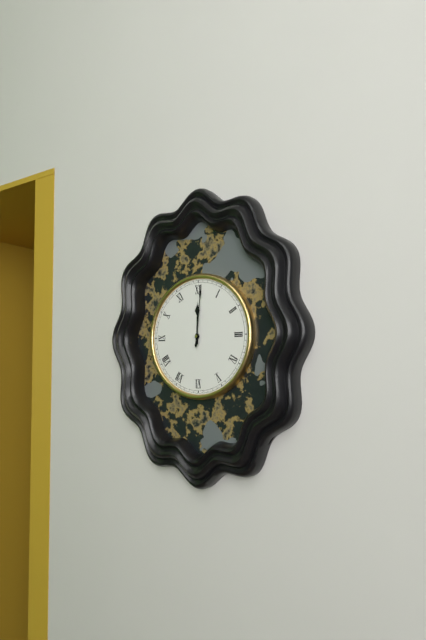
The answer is 12:01
